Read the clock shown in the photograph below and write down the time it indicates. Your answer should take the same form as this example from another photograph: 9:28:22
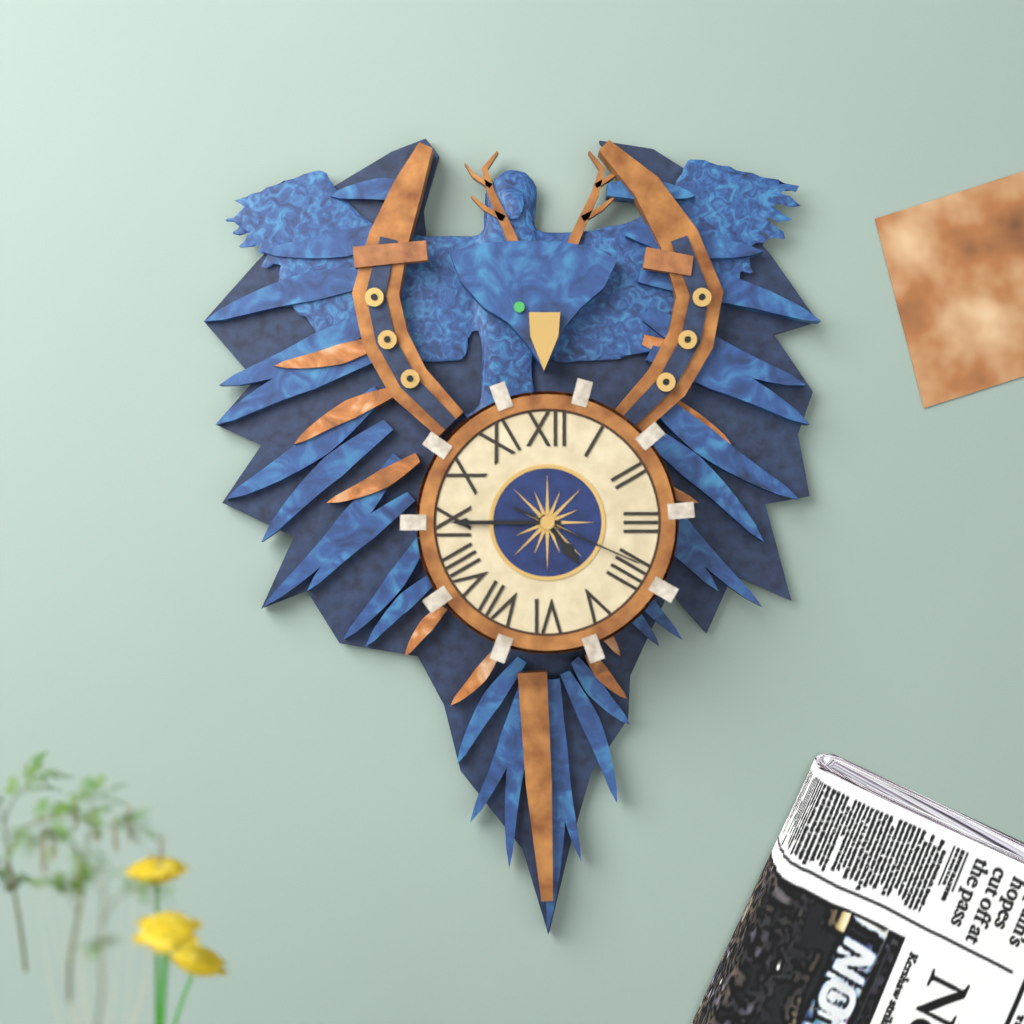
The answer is 4:45:19
